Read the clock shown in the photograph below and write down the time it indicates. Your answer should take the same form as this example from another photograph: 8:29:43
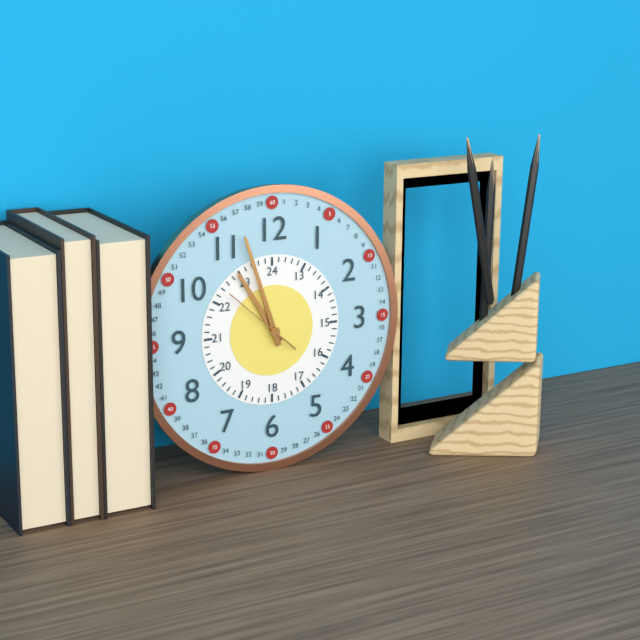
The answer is 10:57:52
